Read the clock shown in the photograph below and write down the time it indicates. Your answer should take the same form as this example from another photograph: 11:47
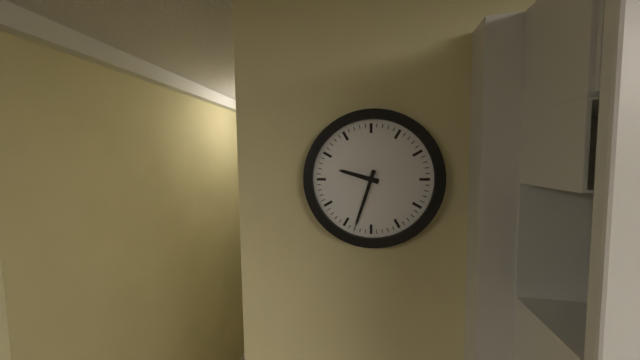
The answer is 9:33
